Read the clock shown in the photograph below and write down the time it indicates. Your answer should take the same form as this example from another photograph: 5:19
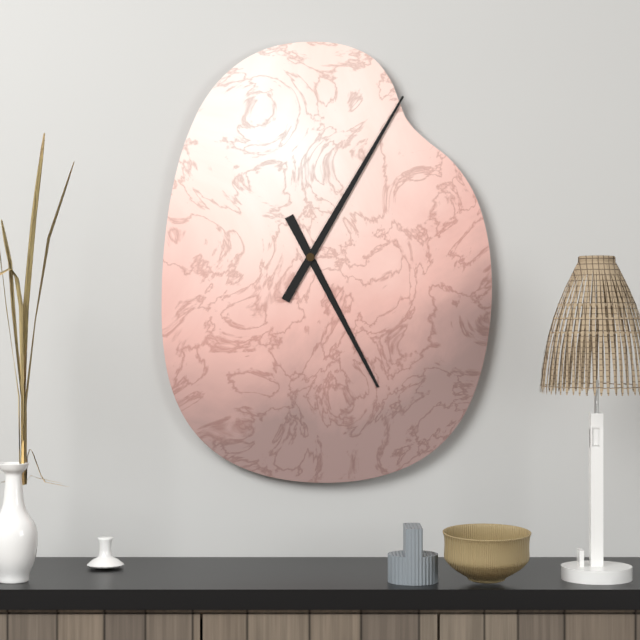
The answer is 5:05
